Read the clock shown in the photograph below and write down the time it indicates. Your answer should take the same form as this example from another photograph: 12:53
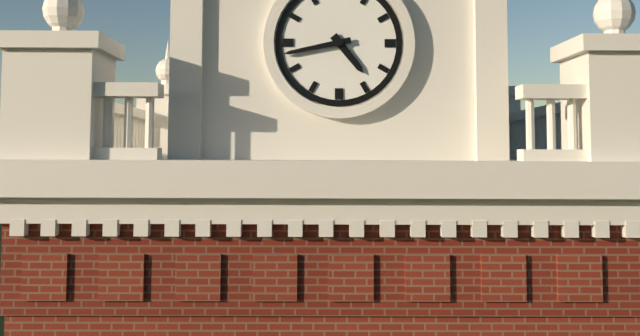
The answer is 4:43
